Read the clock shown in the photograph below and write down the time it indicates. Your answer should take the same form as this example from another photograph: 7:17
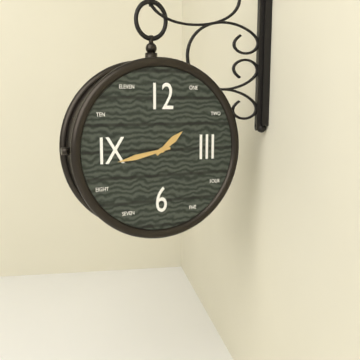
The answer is 1:43
